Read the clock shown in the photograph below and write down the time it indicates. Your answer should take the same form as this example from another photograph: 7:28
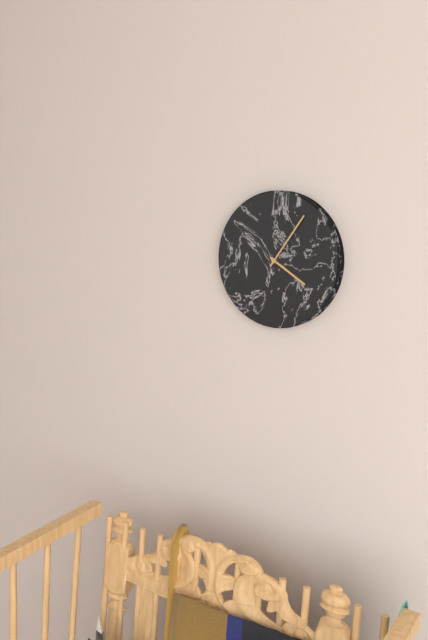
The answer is 4:06
